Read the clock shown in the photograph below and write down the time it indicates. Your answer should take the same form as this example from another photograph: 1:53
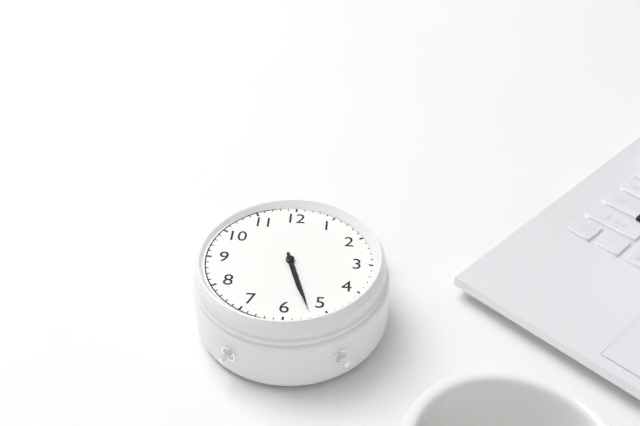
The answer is 5:27
